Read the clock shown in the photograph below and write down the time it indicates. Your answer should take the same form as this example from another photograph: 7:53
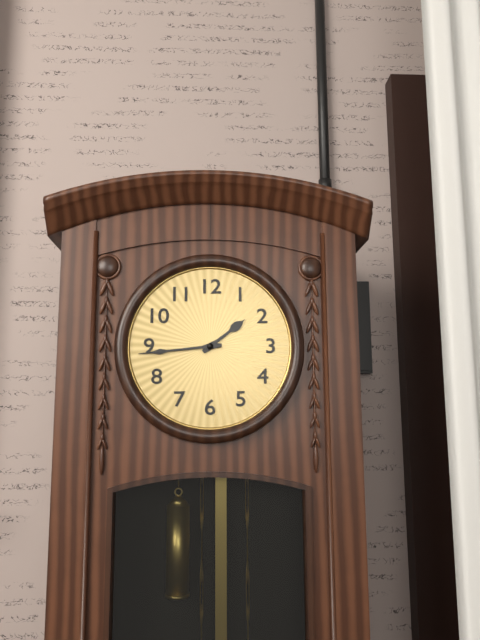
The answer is 1:44
